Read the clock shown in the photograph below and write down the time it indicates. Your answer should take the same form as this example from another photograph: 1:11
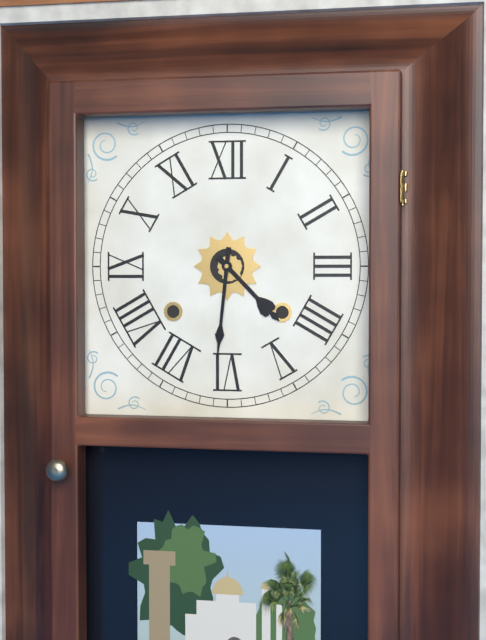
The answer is 4:31
